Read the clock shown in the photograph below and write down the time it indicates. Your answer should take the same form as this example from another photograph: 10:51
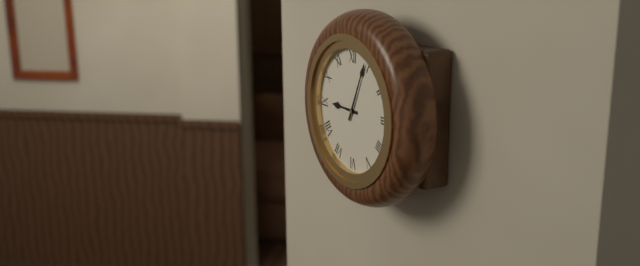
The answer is 9:04
